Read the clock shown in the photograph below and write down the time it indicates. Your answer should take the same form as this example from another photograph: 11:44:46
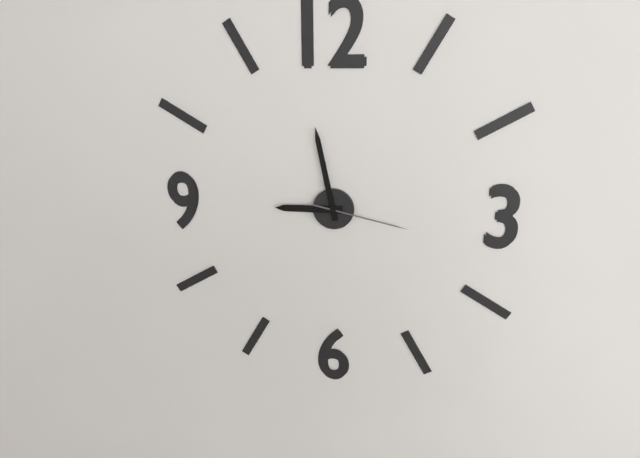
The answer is 8:58:17
